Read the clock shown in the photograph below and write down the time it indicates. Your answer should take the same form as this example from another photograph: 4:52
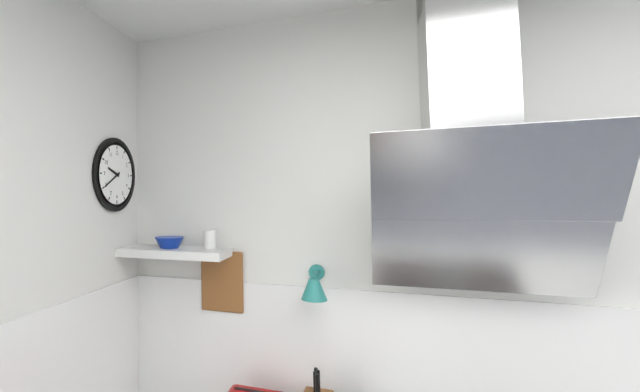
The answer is 9:40
